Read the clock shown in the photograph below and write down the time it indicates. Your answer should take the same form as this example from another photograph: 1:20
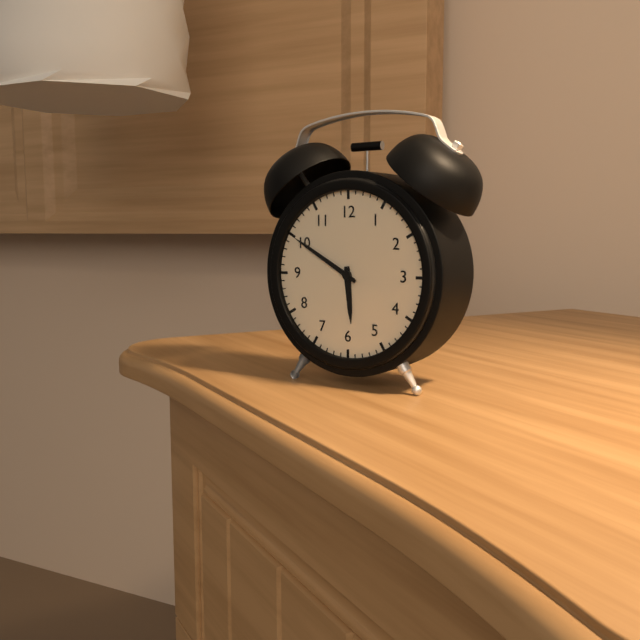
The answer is 5:50
